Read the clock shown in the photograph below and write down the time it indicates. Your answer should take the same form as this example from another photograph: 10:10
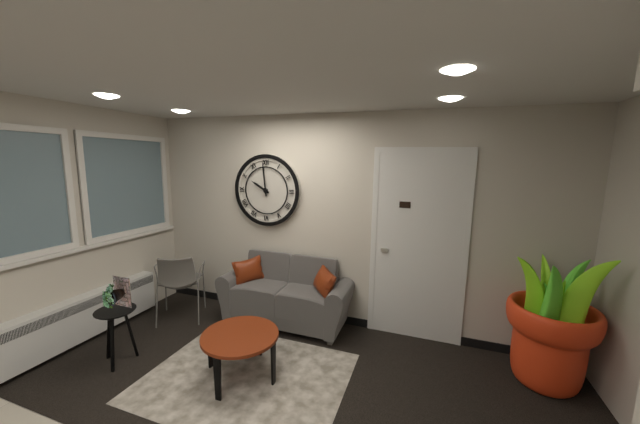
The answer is 9:59
